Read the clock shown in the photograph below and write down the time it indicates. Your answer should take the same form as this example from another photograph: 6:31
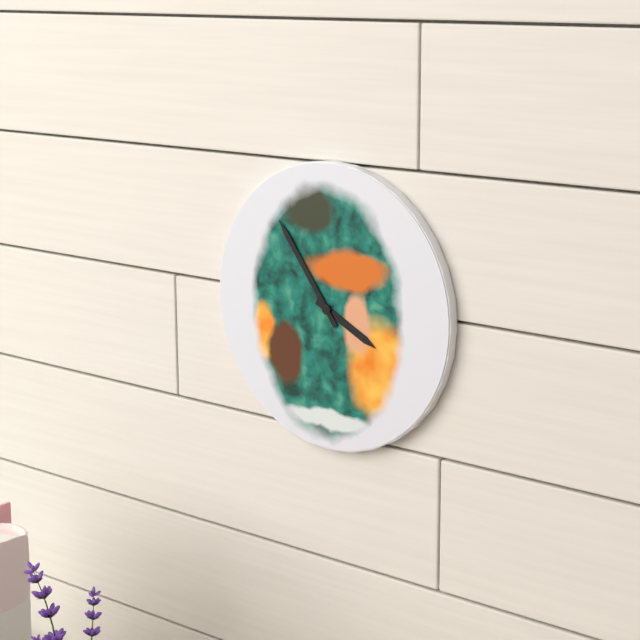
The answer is 3:54
